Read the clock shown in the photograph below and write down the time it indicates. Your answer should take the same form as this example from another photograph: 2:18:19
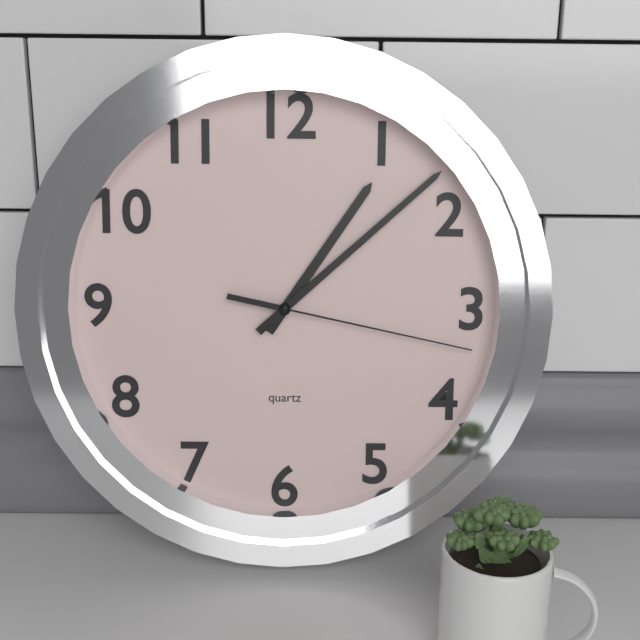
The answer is 1:08:17
